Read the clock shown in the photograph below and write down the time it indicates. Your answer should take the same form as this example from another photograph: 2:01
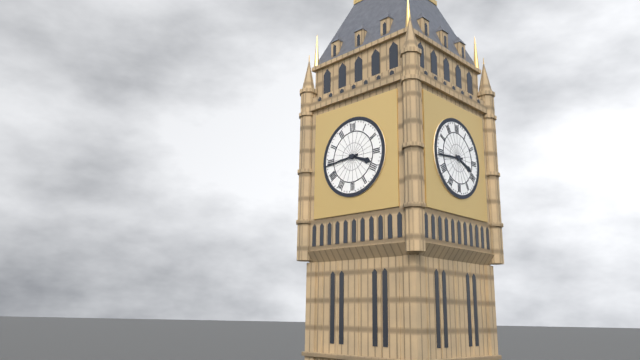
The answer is 3:44
